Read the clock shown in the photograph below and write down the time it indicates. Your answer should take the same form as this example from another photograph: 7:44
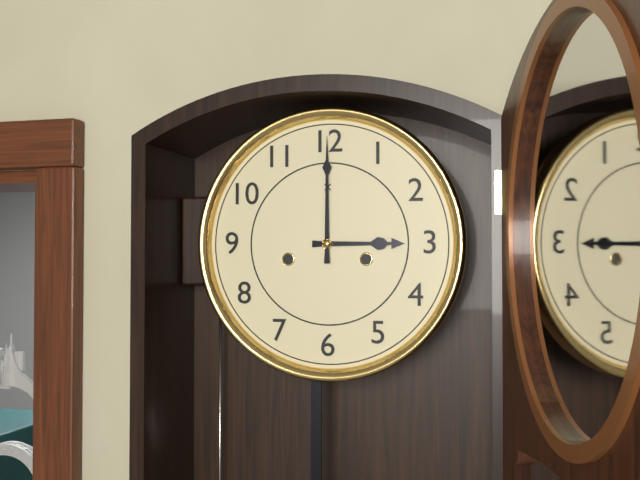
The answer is 3:00
